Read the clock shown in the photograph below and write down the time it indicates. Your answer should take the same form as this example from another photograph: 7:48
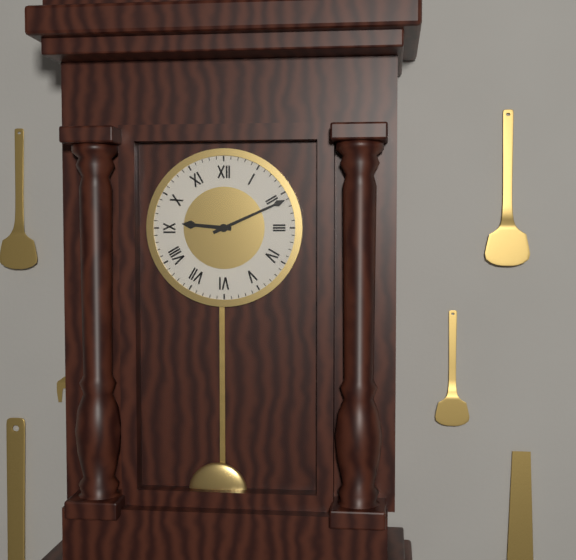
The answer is 9:11
